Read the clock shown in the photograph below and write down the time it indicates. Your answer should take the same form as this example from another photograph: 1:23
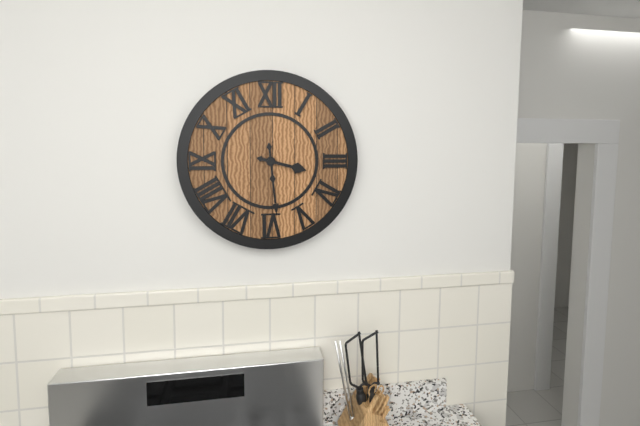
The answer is 3:29
